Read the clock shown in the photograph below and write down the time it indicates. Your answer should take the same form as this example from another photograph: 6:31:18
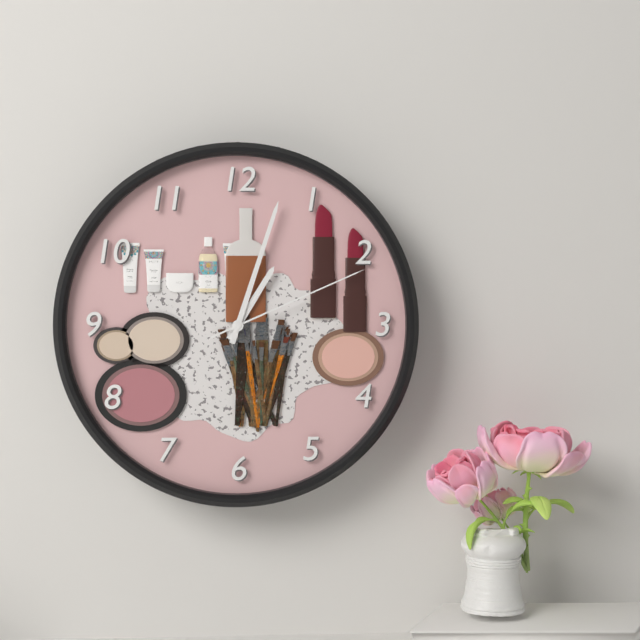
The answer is 1:03:11
